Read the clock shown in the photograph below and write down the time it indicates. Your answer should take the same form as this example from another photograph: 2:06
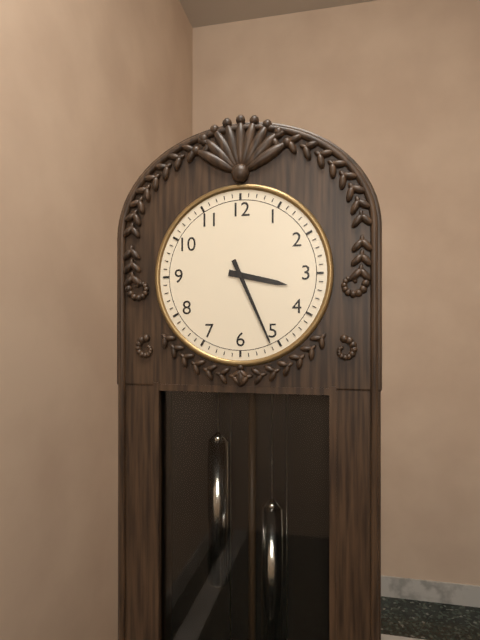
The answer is 3:26
